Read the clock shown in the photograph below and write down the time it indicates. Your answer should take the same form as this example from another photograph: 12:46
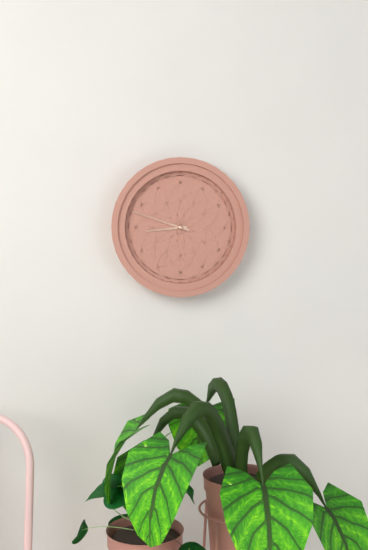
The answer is 8:48
